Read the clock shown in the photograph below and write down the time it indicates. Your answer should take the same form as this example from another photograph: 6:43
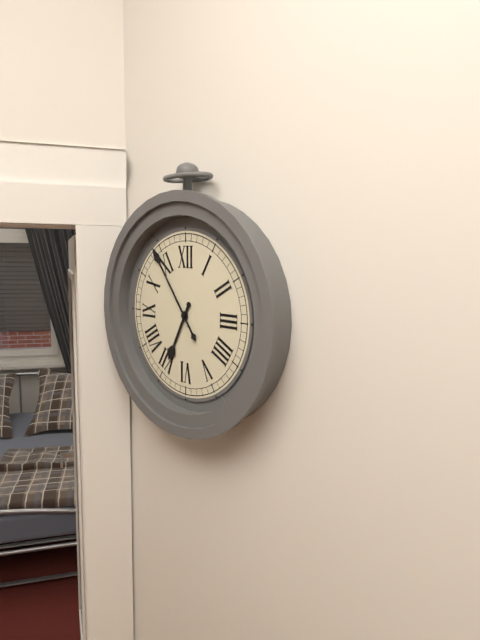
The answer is 6:54
